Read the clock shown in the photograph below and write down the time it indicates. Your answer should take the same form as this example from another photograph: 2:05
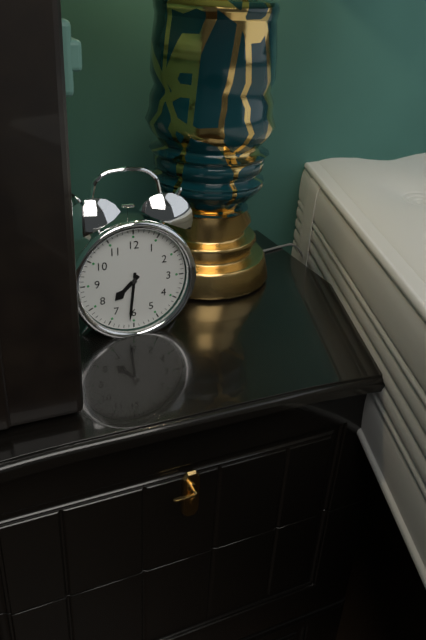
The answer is 7:31
